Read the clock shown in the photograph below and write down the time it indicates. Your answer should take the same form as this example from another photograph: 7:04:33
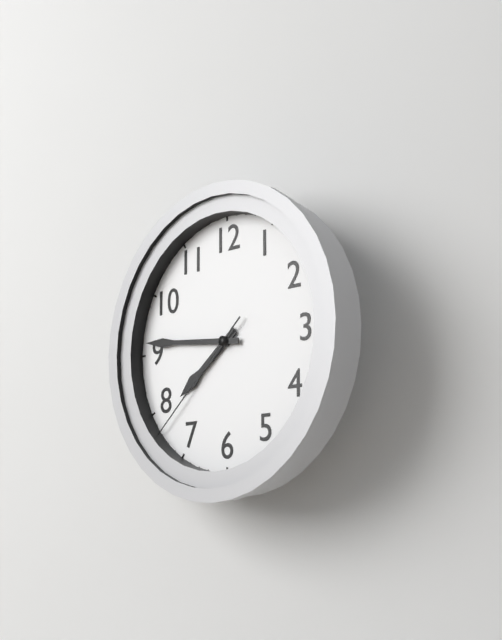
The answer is 7:46:38
